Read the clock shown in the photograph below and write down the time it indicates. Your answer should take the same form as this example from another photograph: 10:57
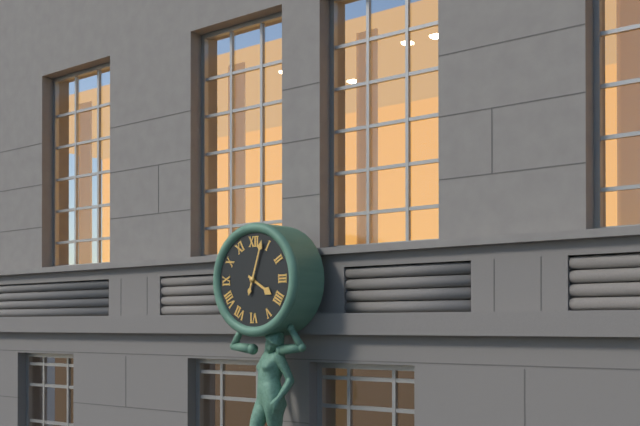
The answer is 4:03
